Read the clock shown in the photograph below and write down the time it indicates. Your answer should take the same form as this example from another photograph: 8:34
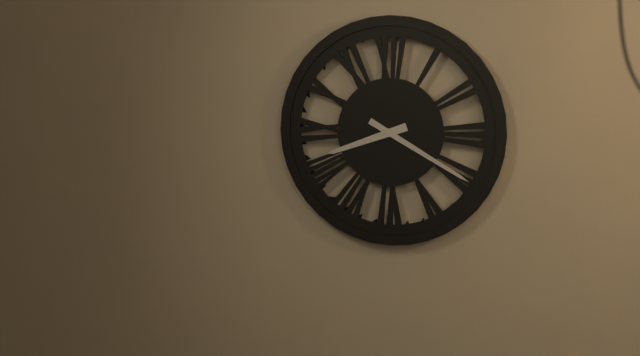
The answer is 8:20
